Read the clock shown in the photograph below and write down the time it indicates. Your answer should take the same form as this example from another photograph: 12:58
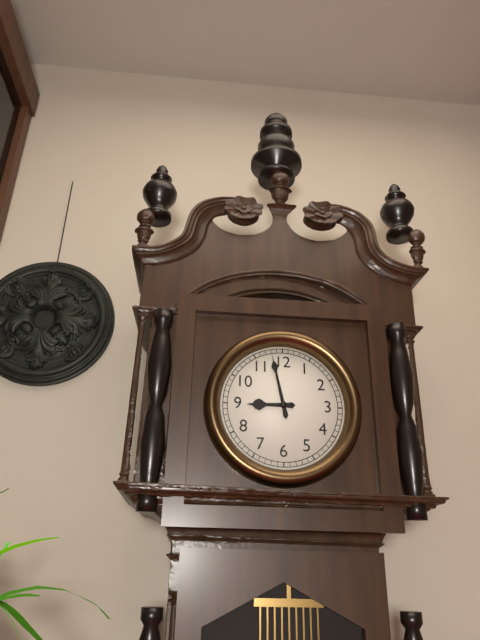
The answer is 8:58
